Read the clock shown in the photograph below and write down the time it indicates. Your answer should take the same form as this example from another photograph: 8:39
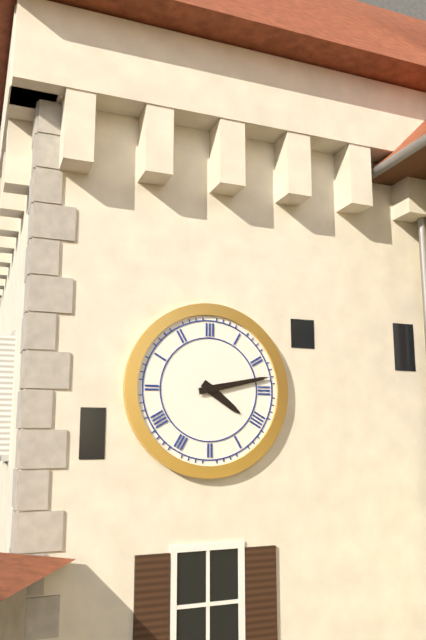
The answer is 4:13
